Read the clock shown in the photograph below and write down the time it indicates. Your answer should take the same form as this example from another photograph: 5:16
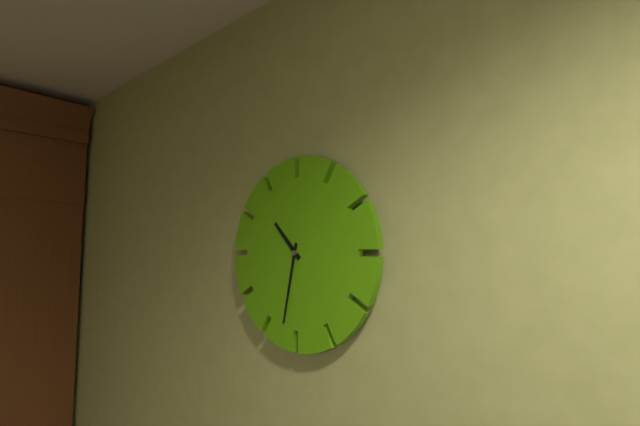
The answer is 10:32
